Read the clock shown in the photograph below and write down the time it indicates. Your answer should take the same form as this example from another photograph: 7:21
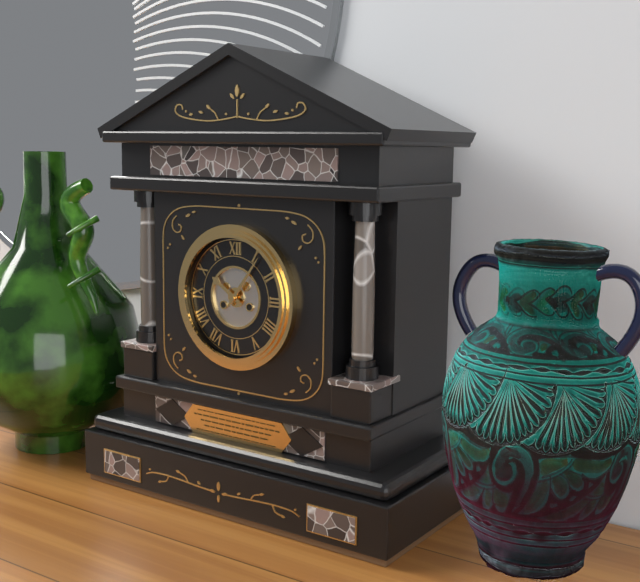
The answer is 10:06
